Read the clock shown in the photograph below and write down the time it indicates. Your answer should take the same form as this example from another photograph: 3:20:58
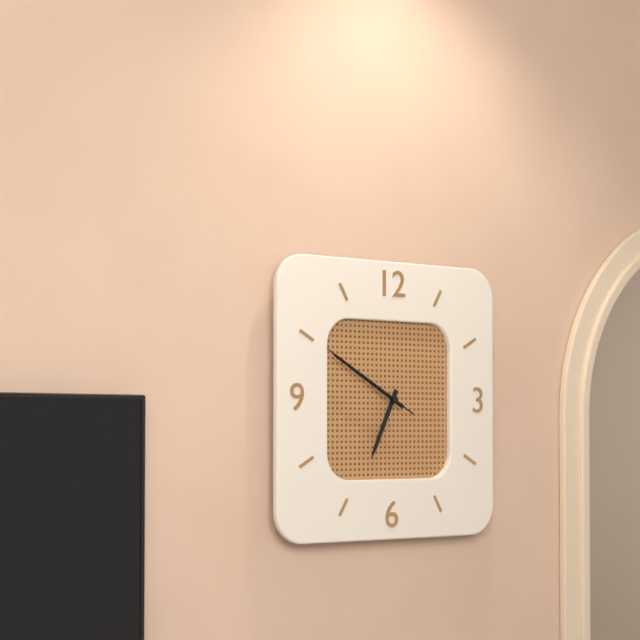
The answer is 6:50:50
